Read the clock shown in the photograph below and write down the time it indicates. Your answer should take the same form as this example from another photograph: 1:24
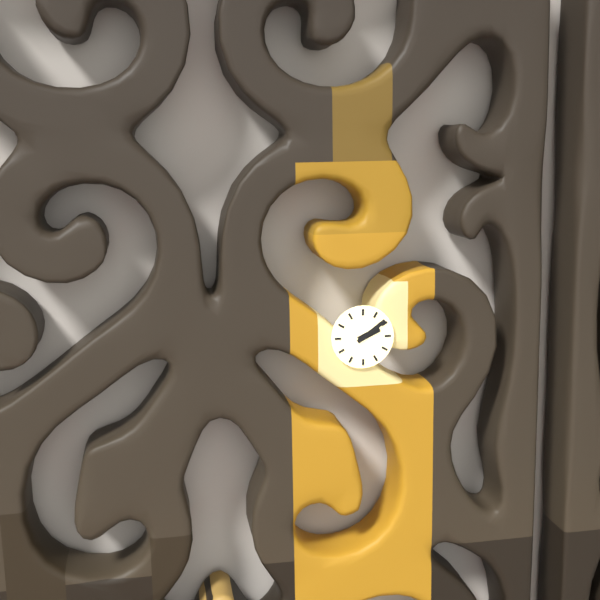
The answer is 2:09
